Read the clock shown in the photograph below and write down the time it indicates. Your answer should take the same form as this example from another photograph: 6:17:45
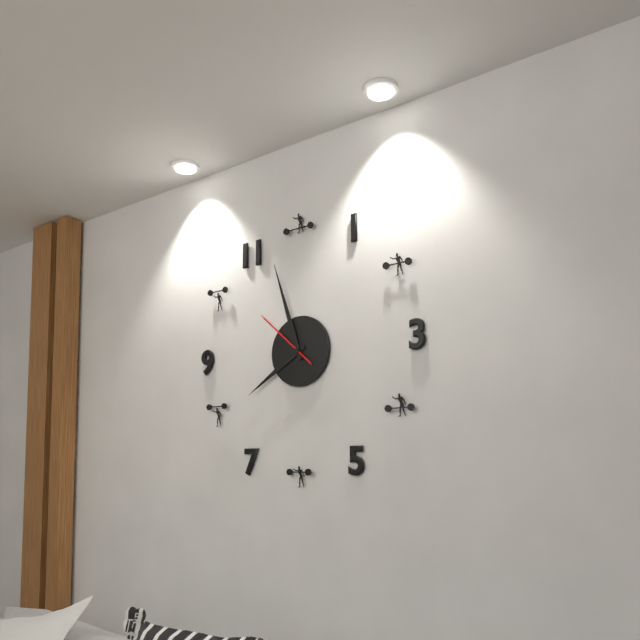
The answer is 7:57:52
